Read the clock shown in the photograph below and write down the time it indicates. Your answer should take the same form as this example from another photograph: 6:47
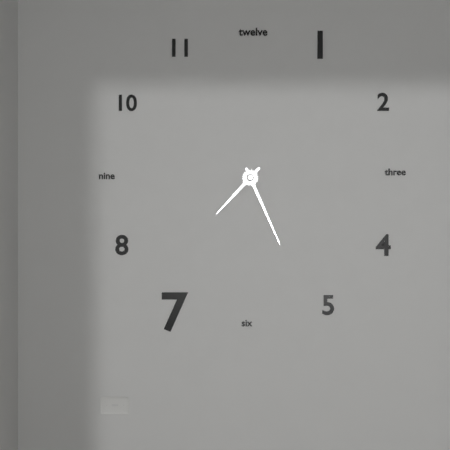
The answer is 7:26
